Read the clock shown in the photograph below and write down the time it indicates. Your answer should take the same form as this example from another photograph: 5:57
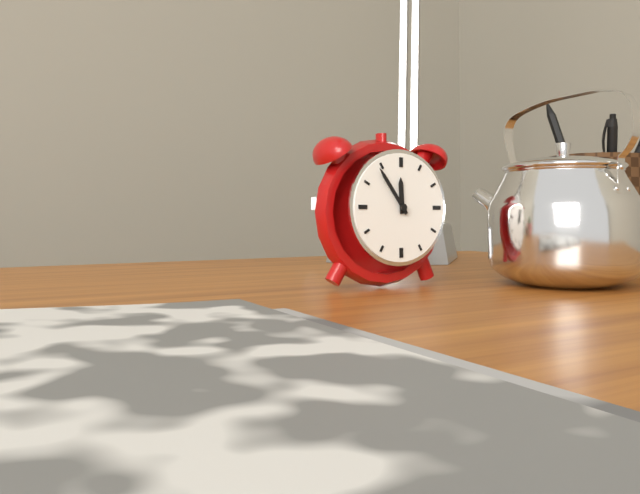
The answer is 11:54
